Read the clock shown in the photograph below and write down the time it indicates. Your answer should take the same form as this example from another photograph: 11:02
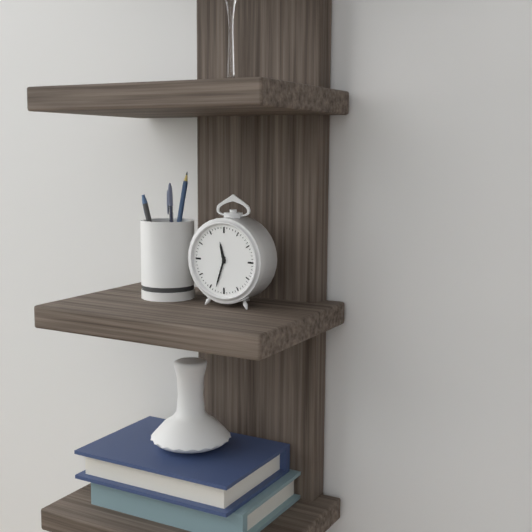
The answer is 11:33
